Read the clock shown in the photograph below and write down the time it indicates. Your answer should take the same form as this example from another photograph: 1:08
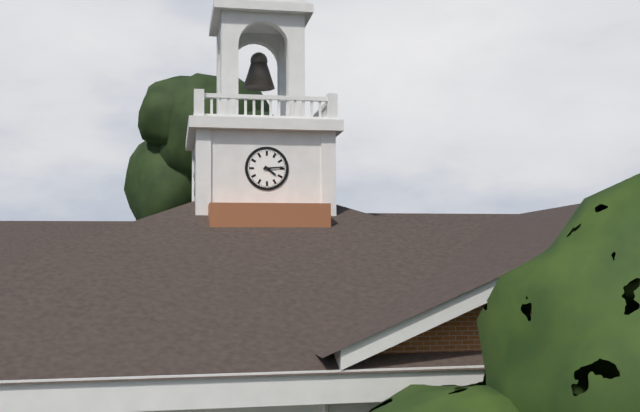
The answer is 4:14
